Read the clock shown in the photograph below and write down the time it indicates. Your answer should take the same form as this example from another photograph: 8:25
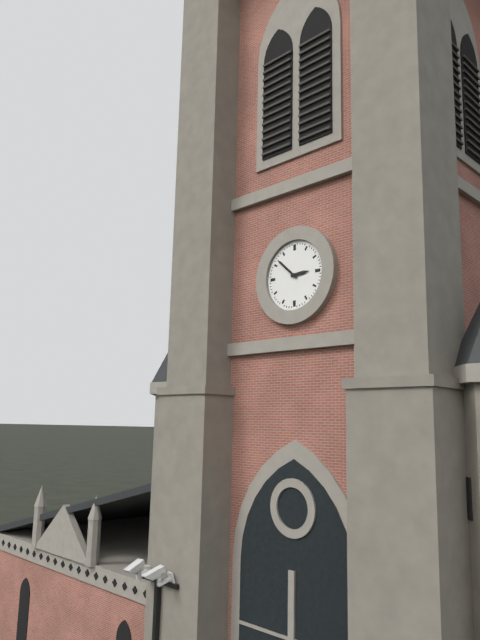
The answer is 2:52
